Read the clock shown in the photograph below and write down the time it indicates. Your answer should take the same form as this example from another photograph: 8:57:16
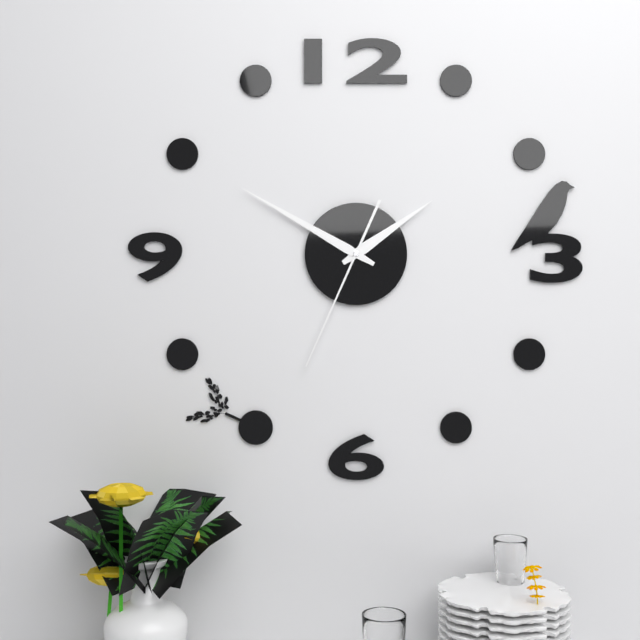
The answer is 1:50:34
